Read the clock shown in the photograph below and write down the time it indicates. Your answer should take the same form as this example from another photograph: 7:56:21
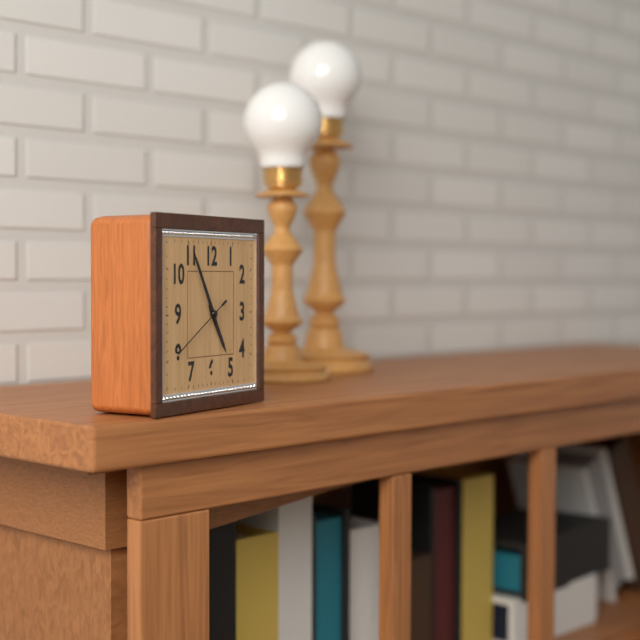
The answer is 4:55:40
